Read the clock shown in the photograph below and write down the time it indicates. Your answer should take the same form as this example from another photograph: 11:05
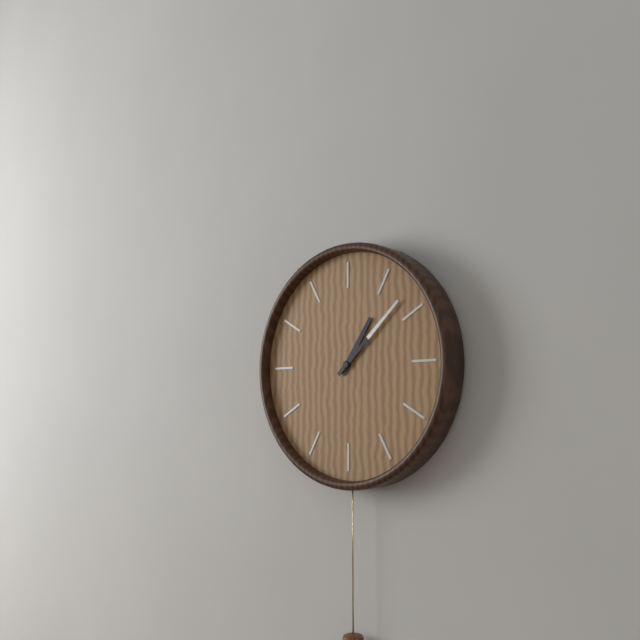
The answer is 1:08
